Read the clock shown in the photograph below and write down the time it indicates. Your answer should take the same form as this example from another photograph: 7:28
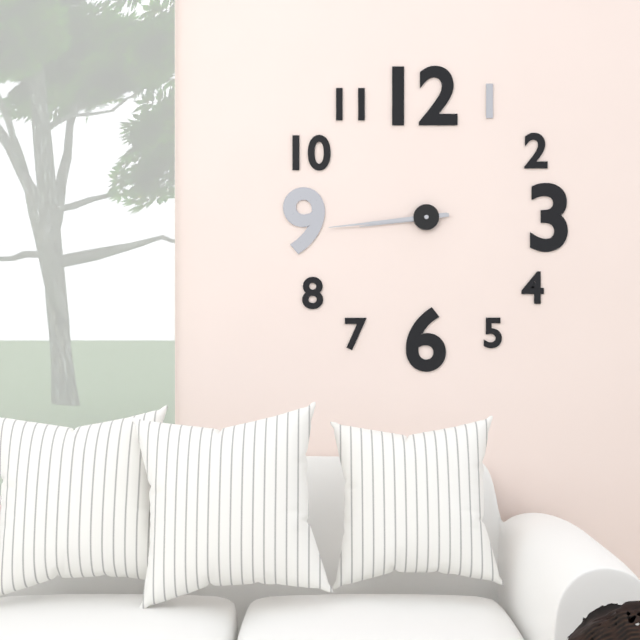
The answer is 8:44
